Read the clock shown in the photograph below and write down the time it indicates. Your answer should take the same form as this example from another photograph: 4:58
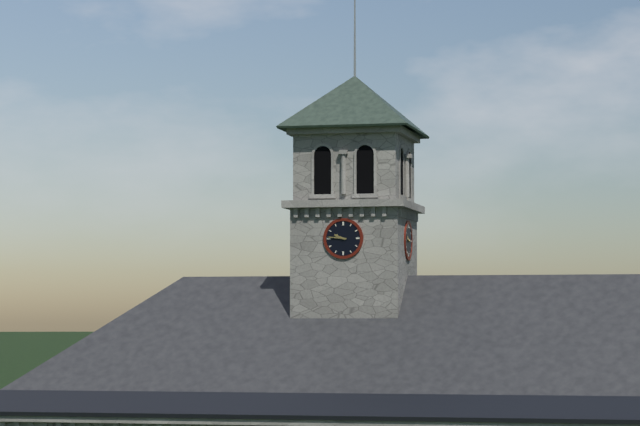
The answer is 9:46
